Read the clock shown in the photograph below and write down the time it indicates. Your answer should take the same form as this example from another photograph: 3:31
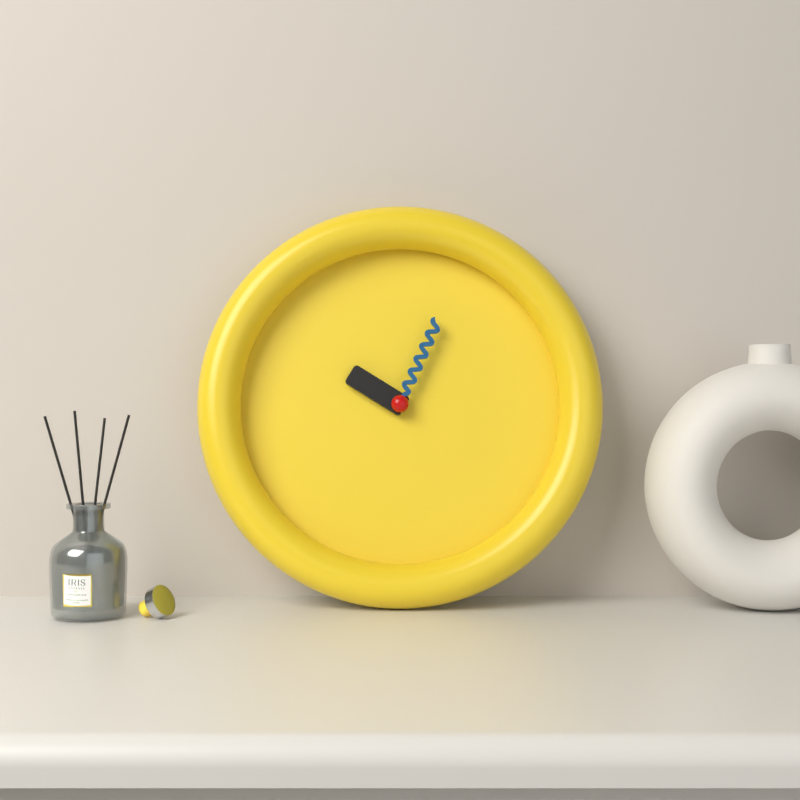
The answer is 10:04
